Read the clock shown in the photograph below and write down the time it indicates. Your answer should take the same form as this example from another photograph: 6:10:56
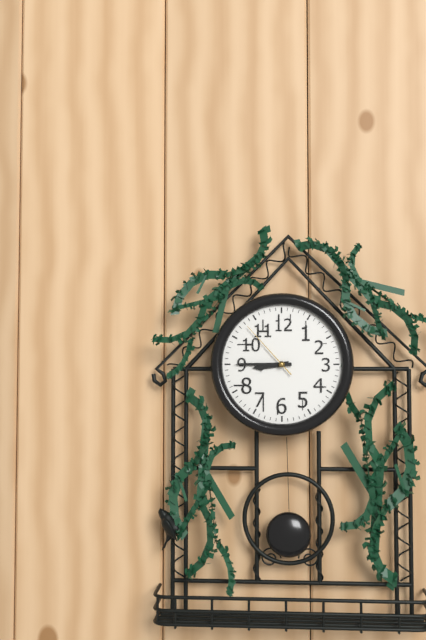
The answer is 8:45:53
